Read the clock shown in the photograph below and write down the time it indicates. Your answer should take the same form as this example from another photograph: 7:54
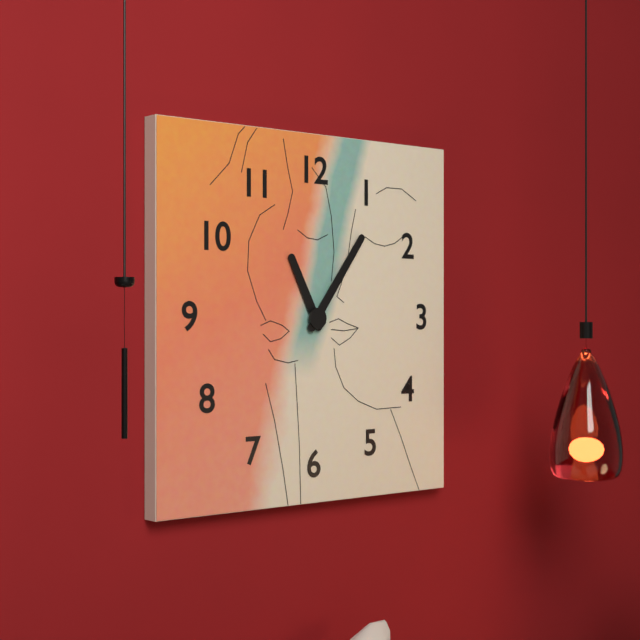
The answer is 11:06
